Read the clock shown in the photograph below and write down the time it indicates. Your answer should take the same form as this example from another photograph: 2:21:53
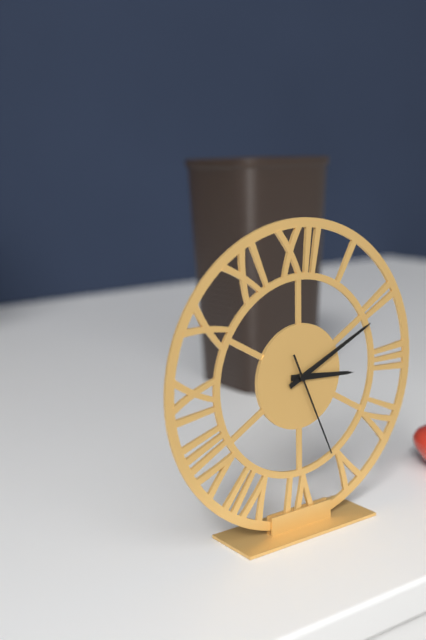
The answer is 3:11:26
